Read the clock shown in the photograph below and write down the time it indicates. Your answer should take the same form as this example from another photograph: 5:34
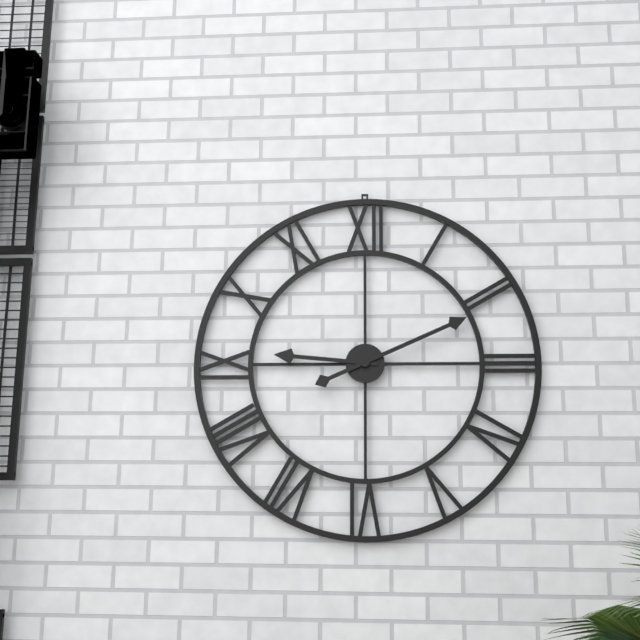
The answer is 9:11
